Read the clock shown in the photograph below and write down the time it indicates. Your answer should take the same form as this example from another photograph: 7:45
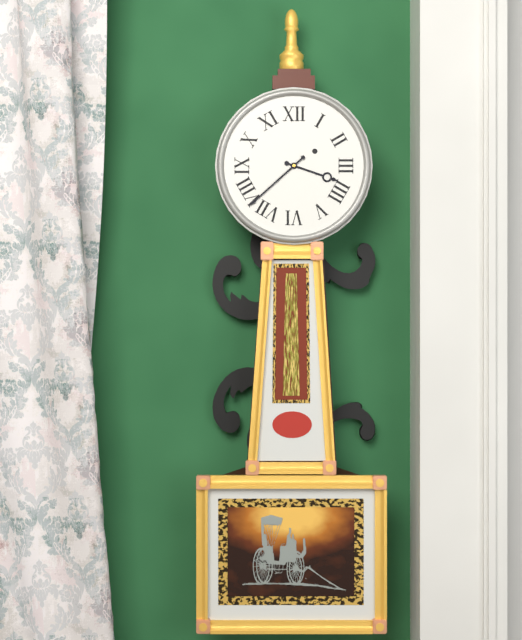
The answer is 3:38
